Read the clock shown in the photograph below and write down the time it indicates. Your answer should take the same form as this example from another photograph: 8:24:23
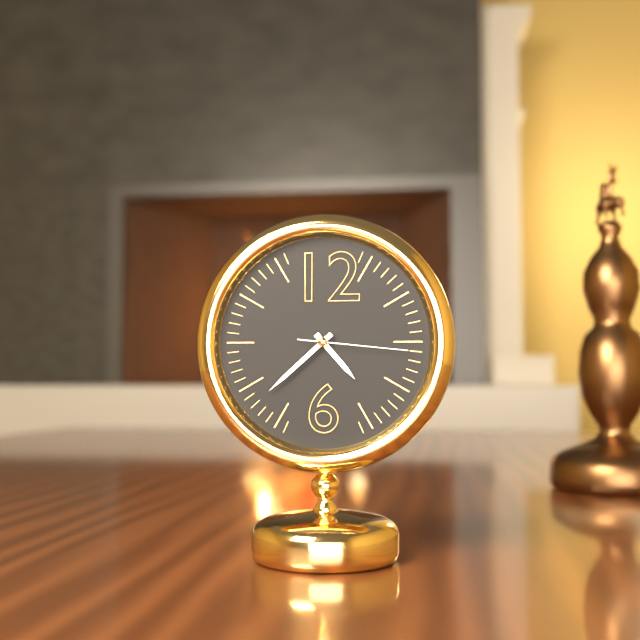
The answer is 4:38:16
